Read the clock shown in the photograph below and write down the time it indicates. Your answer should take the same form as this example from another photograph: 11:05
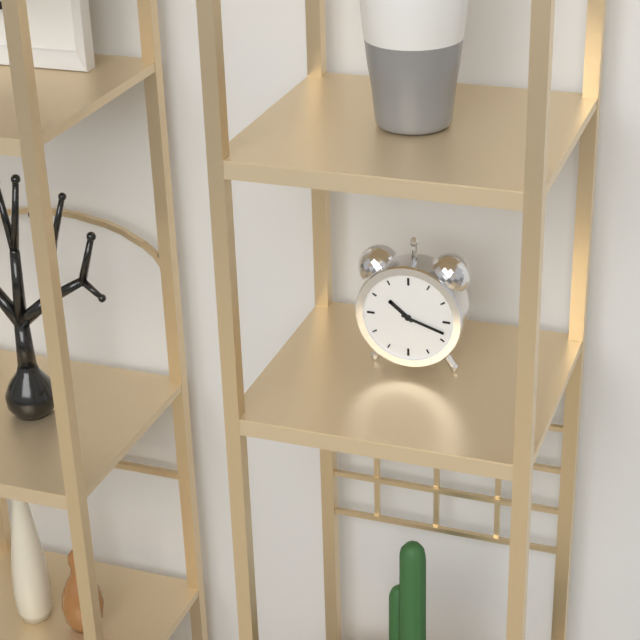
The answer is 10:18
